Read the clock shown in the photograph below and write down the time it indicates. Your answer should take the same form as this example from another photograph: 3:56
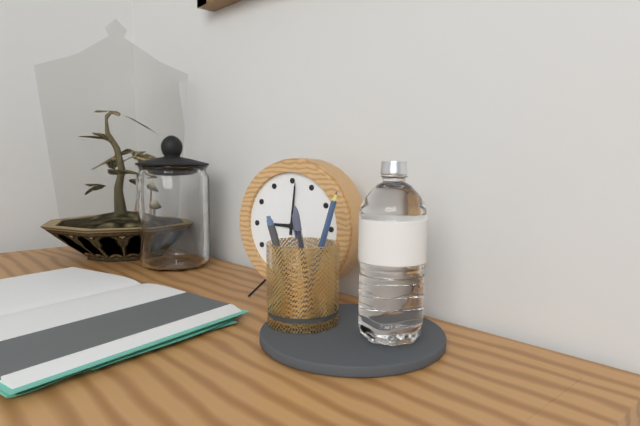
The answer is 9:01
